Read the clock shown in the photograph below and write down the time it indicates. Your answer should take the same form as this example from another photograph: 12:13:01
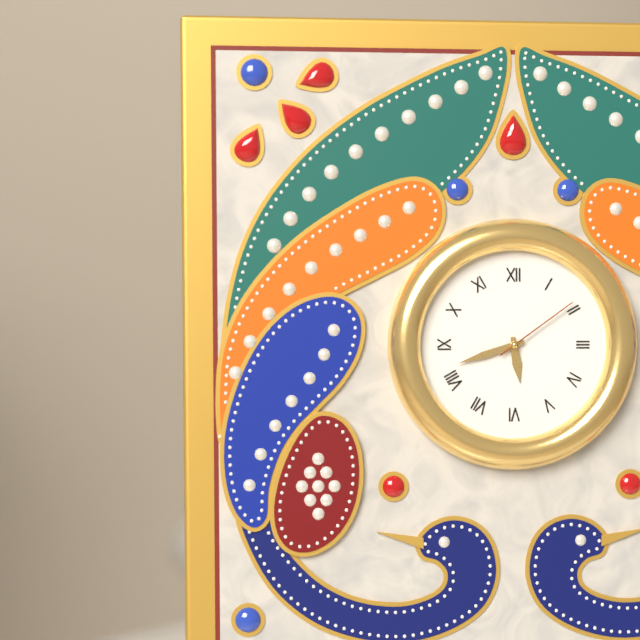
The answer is 5:42:09
